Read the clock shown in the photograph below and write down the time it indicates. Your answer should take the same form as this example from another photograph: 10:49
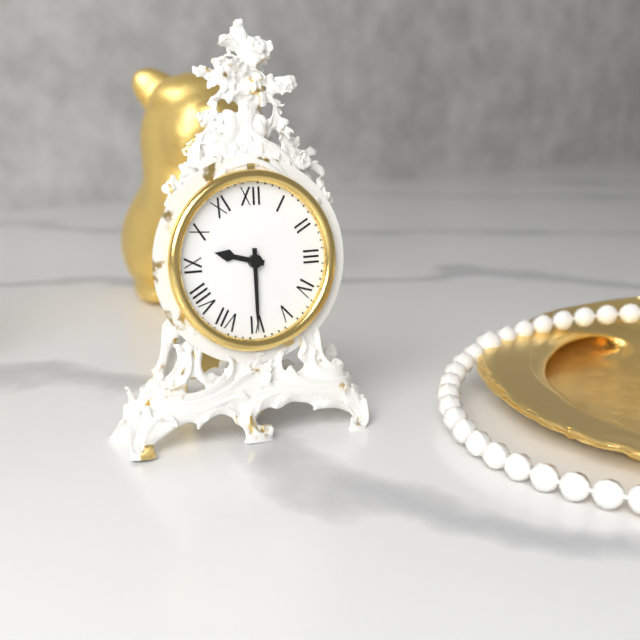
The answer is 9:30
